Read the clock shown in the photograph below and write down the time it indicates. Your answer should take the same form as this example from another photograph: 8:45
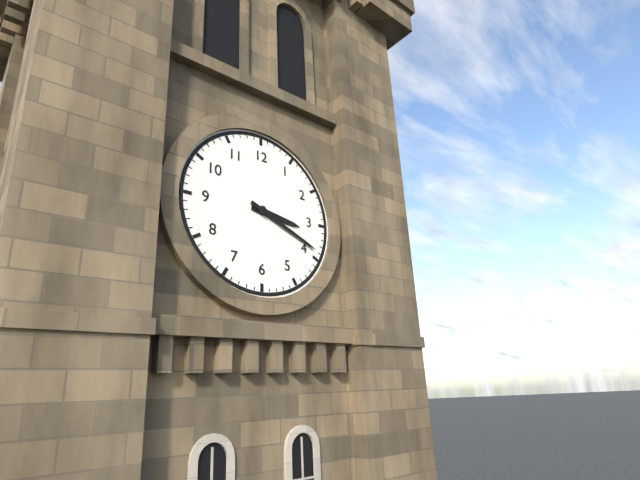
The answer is 3:19
